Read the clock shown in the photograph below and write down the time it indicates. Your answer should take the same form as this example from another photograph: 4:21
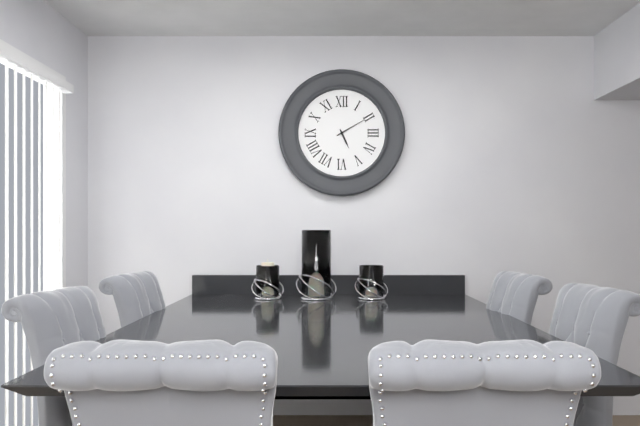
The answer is 5:10
